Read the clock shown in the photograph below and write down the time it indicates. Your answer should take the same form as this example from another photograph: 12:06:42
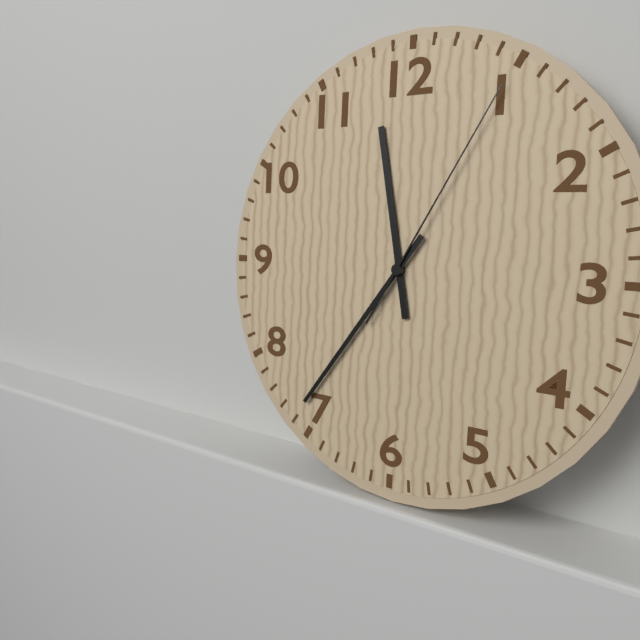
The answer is 11:36:05
